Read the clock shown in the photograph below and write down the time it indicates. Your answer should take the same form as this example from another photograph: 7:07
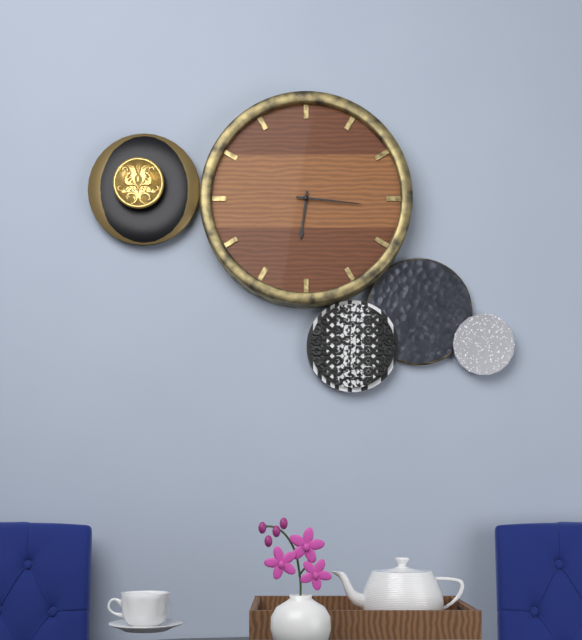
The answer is 6:16
